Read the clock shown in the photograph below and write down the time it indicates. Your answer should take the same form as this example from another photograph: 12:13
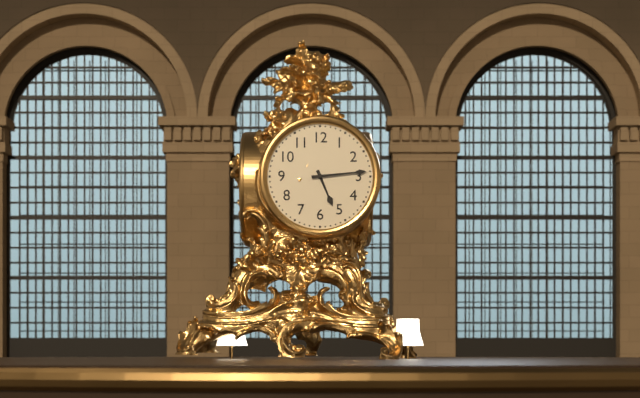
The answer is 5:14
